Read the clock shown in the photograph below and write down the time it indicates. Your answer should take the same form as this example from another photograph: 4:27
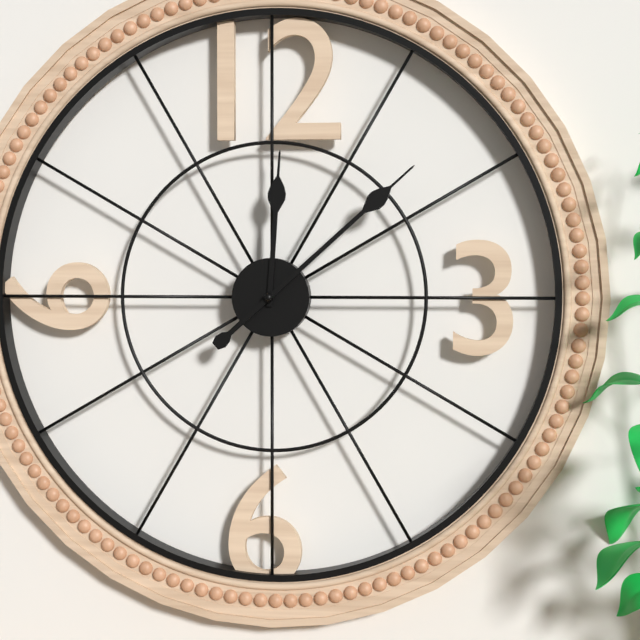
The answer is 12:08
